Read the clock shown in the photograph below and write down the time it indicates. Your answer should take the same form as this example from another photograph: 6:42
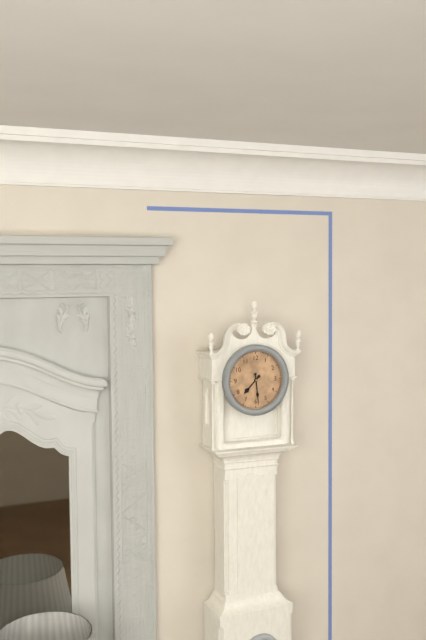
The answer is 7:29
